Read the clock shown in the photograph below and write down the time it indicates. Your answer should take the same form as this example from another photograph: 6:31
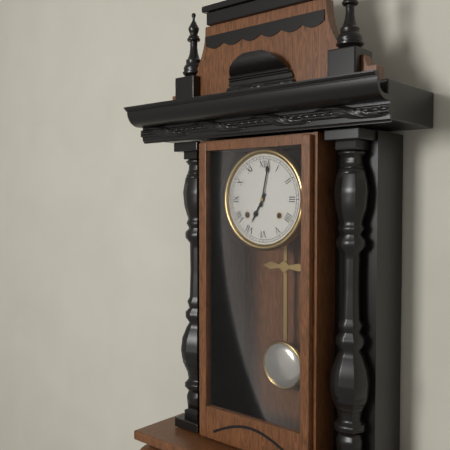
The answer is 7:02
